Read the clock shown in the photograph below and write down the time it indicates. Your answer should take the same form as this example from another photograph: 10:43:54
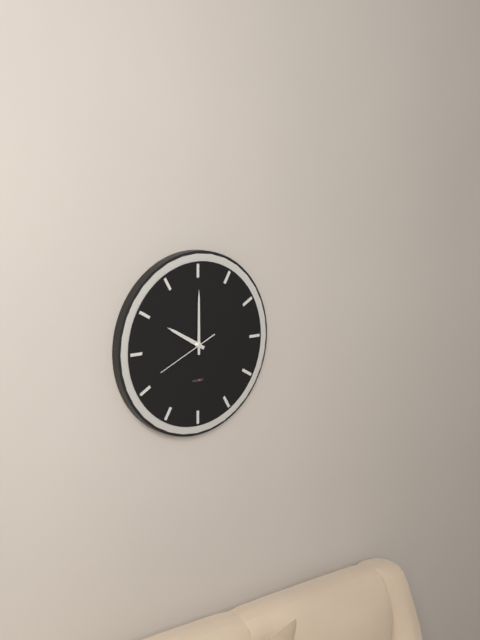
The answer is 10:00:41
